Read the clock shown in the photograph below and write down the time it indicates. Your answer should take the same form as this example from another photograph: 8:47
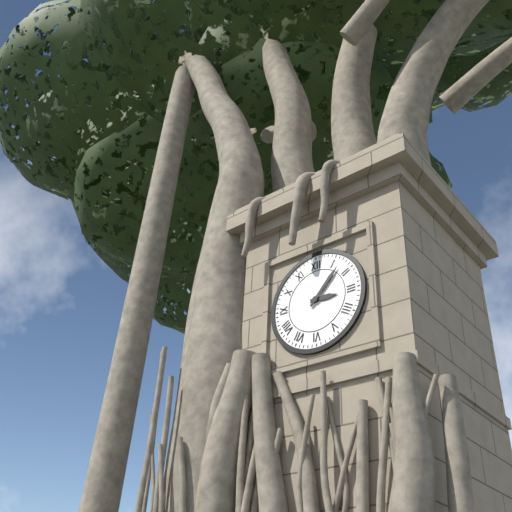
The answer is 3:07
